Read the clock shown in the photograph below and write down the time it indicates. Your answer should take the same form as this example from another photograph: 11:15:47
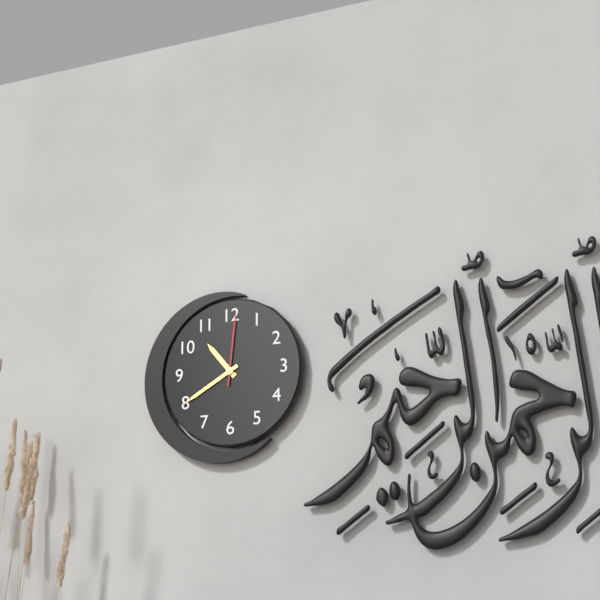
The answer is 10:40:01
